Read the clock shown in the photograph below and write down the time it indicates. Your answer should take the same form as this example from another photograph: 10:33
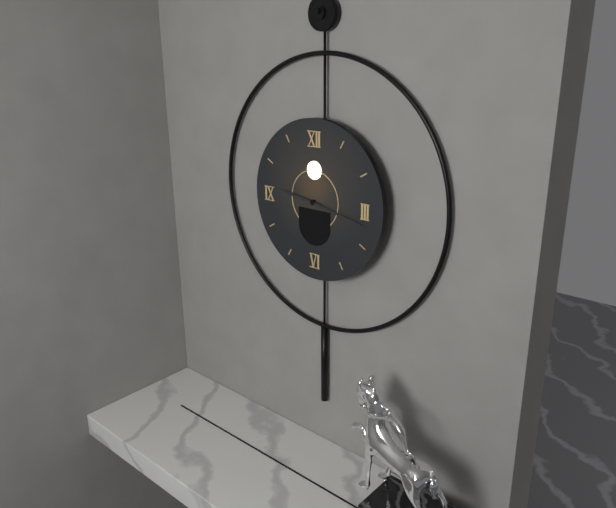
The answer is 9:17
